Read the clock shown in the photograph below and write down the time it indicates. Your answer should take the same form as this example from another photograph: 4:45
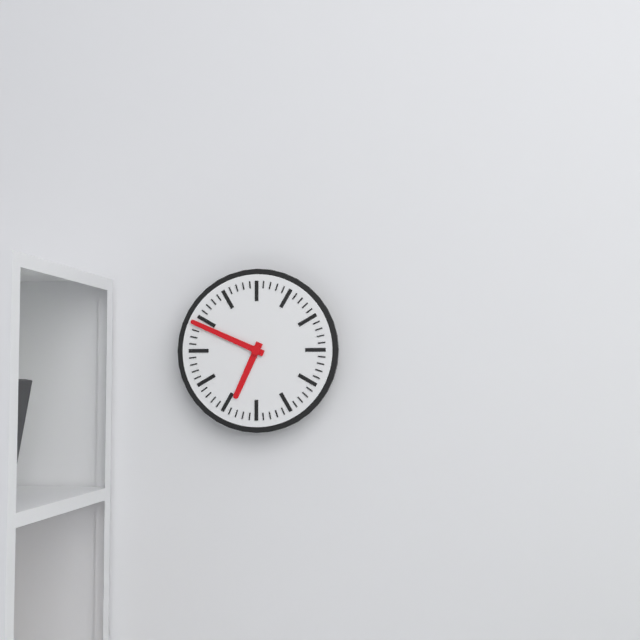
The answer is 6:49
